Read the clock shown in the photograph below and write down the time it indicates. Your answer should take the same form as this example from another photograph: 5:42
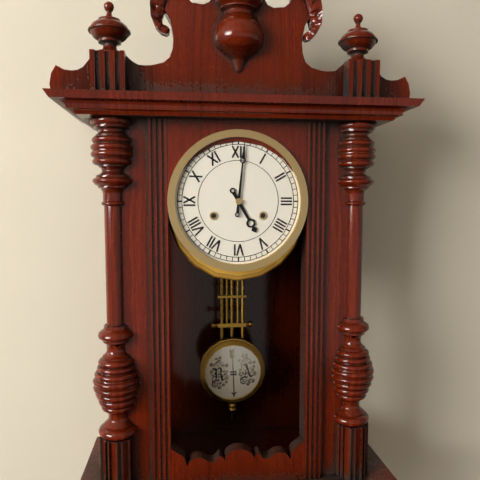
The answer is 5:01
